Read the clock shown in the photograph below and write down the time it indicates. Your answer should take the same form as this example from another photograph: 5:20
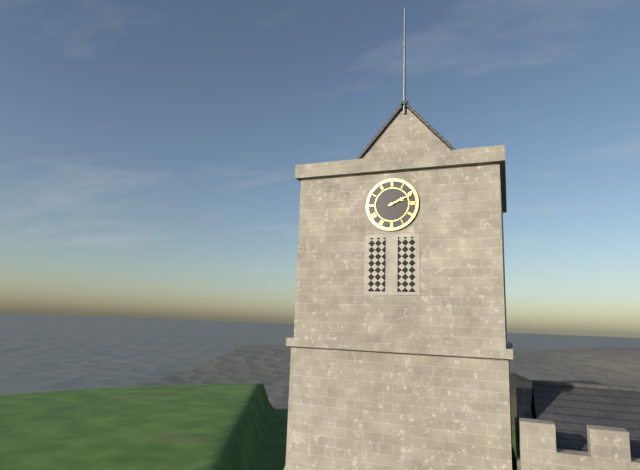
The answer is 2:11
